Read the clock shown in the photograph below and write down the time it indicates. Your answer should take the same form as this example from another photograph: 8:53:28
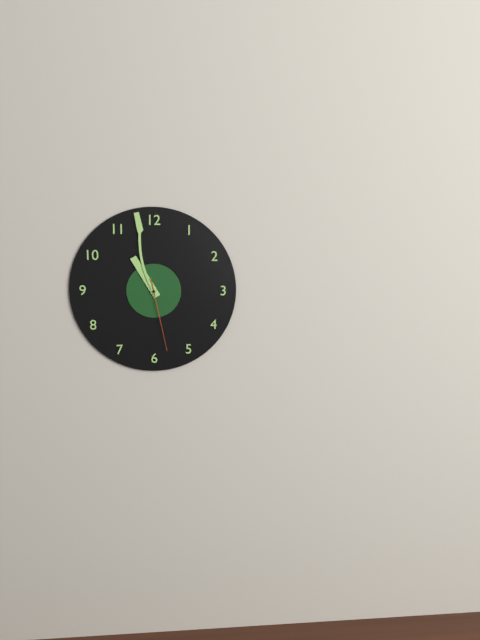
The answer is 10:58:28
